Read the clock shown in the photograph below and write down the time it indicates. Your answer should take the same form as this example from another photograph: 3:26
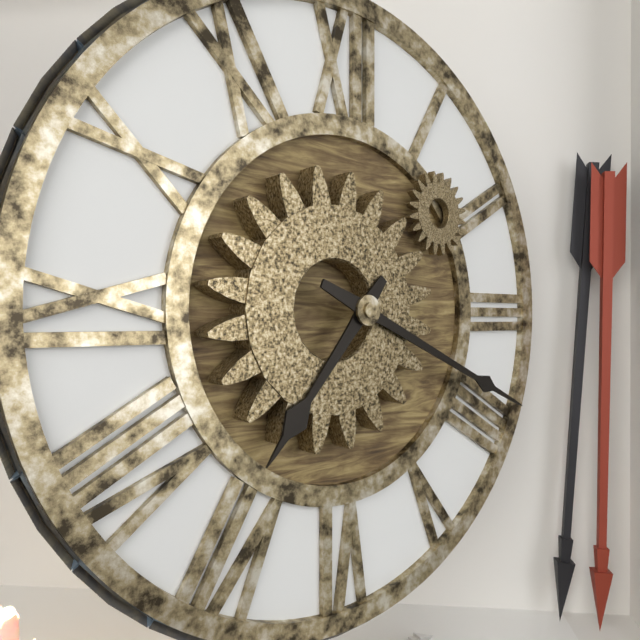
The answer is 7:19
